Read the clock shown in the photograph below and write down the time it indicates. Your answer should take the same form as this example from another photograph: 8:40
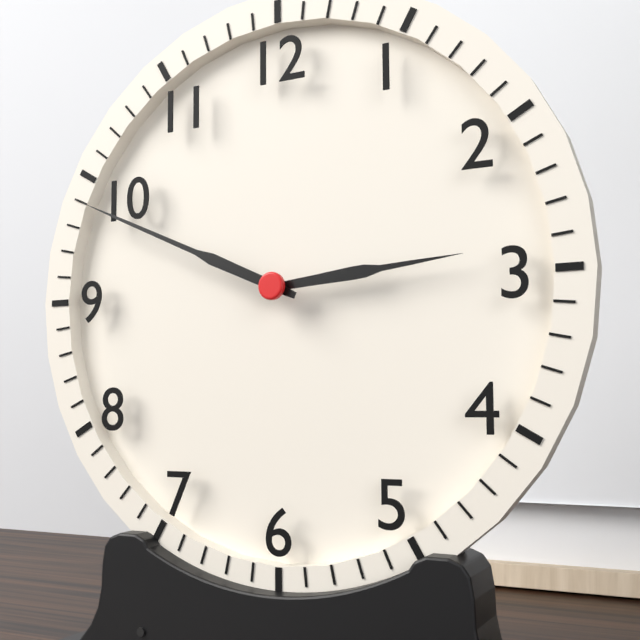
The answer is 2:49
